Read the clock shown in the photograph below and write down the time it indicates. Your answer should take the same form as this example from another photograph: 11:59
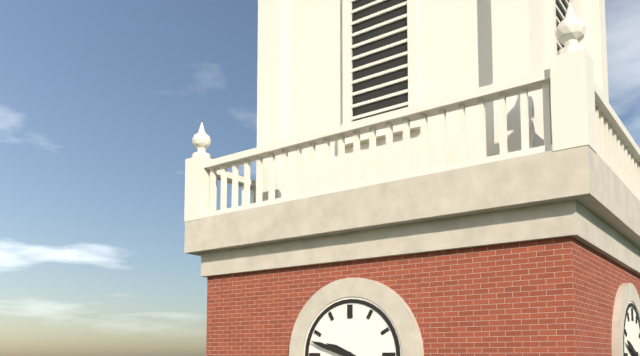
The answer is 9:48
